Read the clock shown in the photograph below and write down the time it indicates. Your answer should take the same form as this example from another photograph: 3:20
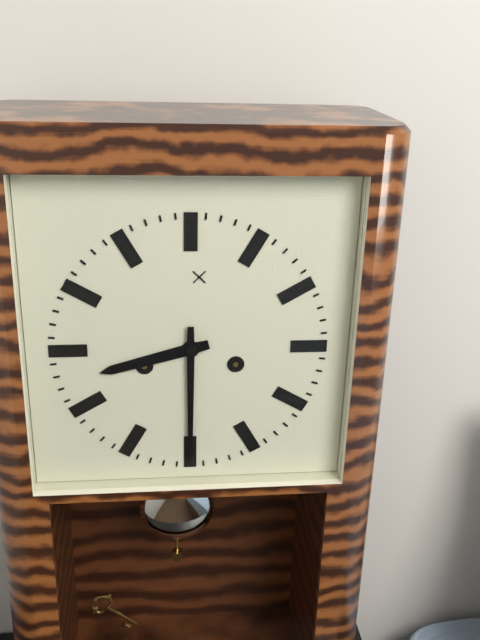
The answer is 8:30
